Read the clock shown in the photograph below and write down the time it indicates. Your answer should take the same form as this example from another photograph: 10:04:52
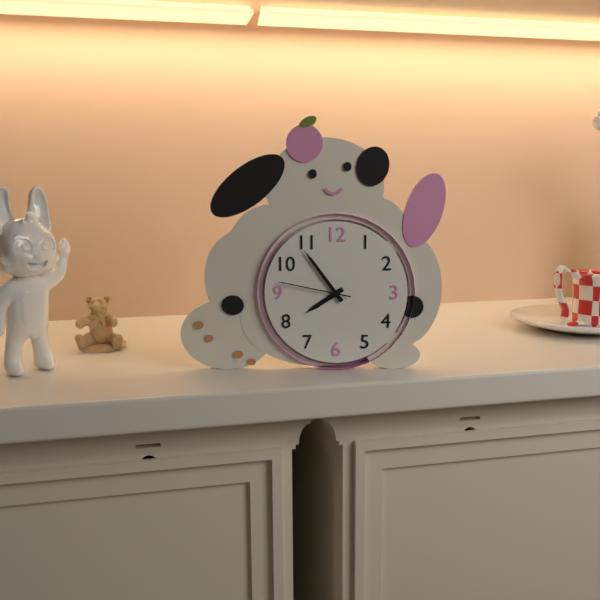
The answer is 7:54:47
